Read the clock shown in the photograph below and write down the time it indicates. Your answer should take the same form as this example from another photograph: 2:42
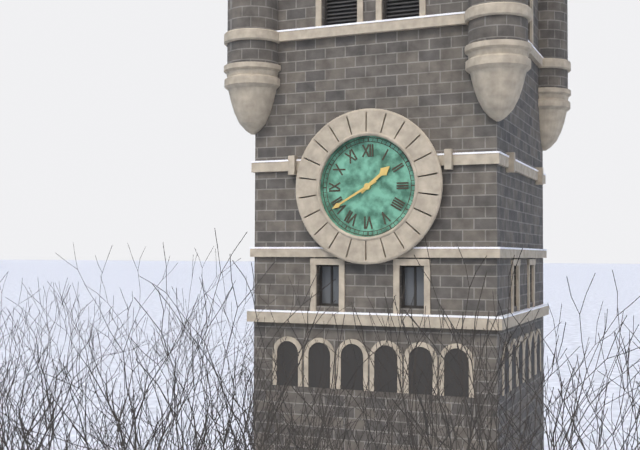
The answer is 1:40
